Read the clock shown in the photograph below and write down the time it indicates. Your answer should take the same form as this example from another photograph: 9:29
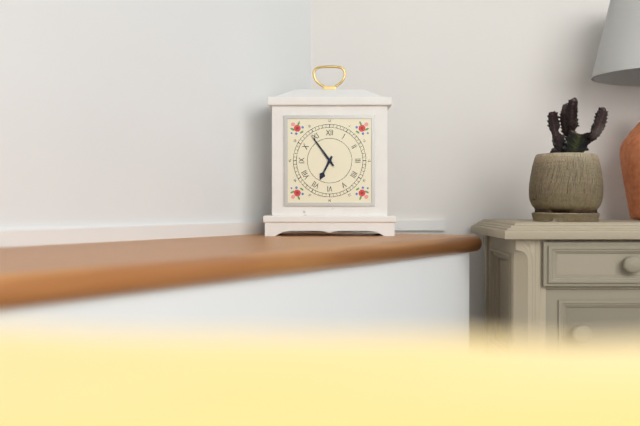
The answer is 6:54
